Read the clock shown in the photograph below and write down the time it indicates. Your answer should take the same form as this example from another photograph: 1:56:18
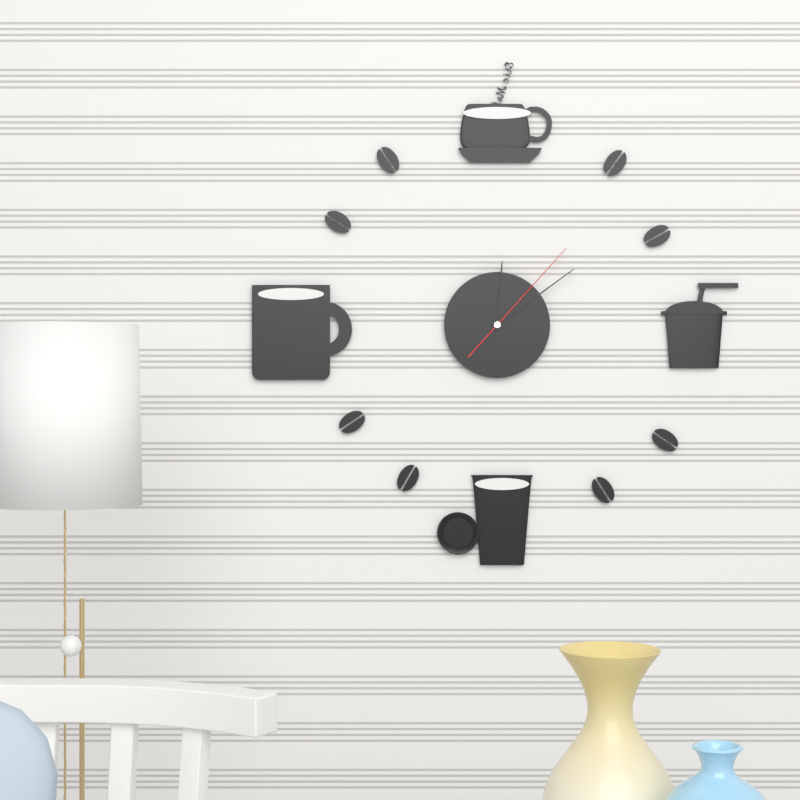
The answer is 12:09:07
